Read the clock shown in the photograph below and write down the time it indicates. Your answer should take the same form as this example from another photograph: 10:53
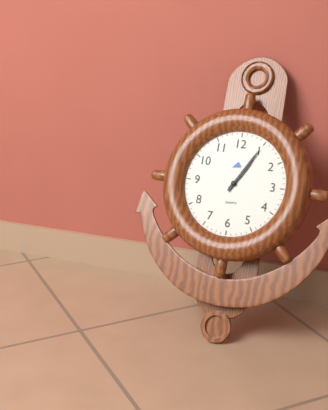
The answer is 1:05
